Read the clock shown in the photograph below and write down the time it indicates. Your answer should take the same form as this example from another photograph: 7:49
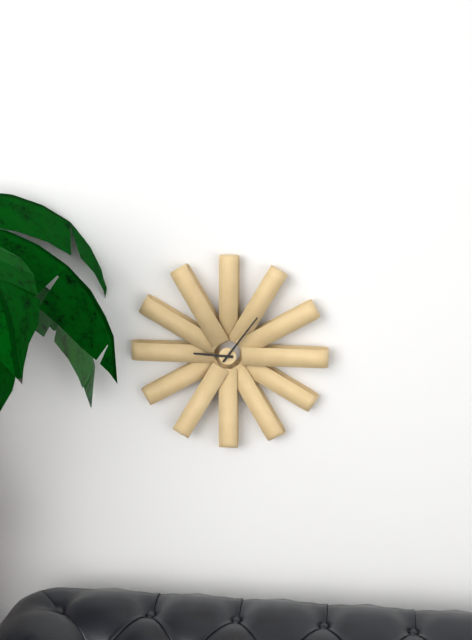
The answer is 9:06
